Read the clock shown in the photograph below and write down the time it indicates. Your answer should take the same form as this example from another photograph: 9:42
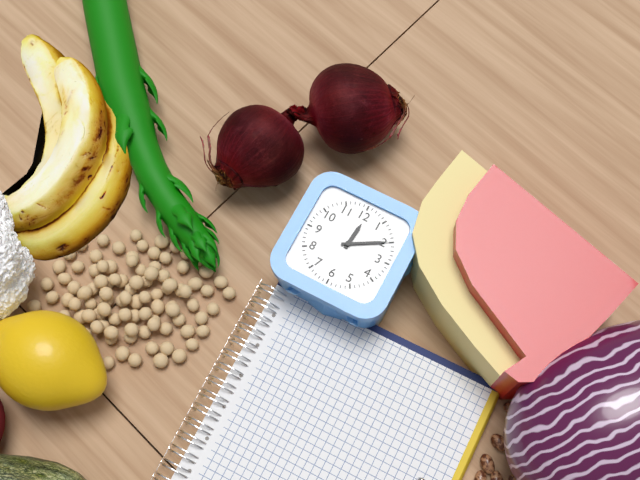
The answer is 12:10
